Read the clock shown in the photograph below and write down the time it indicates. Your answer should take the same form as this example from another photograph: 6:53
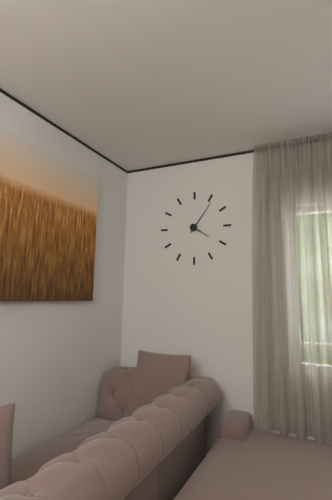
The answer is 4:06
